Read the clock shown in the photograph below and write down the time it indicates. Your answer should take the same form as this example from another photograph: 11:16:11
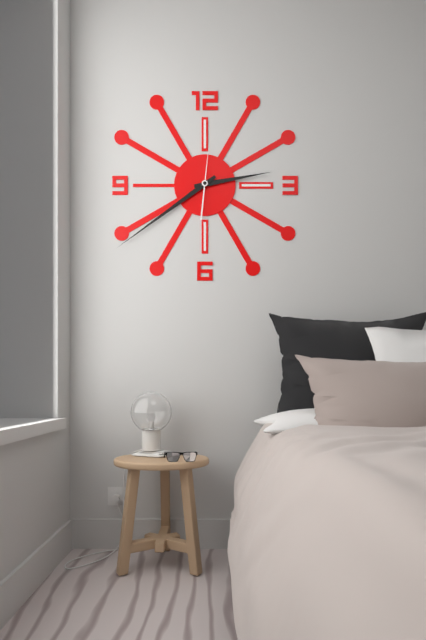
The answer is 2:39:01
